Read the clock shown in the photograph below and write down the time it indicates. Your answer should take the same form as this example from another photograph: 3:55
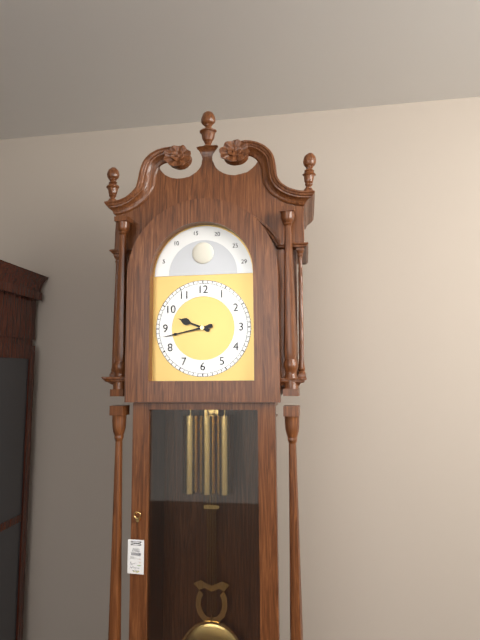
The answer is 9:43
